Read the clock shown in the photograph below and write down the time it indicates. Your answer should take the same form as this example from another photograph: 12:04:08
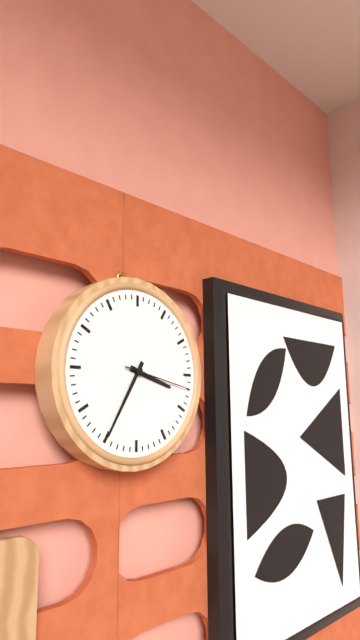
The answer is 3:35:17
